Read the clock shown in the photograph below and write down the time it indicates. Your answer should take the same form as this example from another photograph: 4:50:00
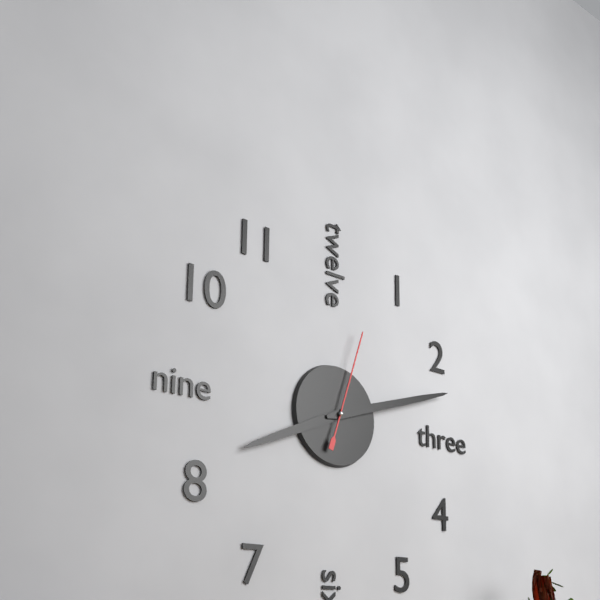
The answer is 8:12:03
